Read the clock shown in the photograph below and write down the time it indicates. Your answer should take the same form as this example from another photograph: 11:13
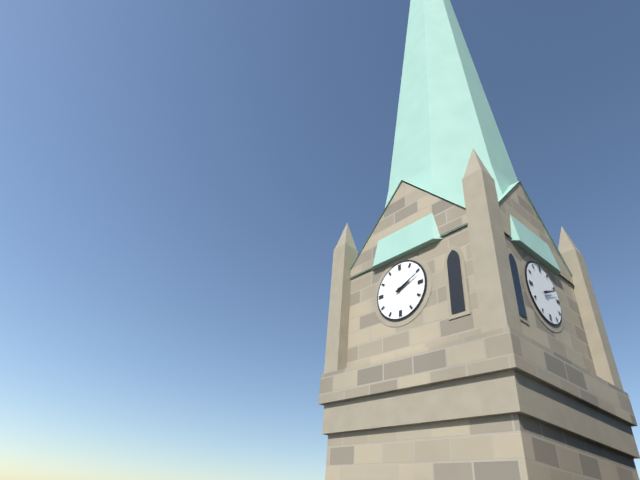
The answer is 2:11
